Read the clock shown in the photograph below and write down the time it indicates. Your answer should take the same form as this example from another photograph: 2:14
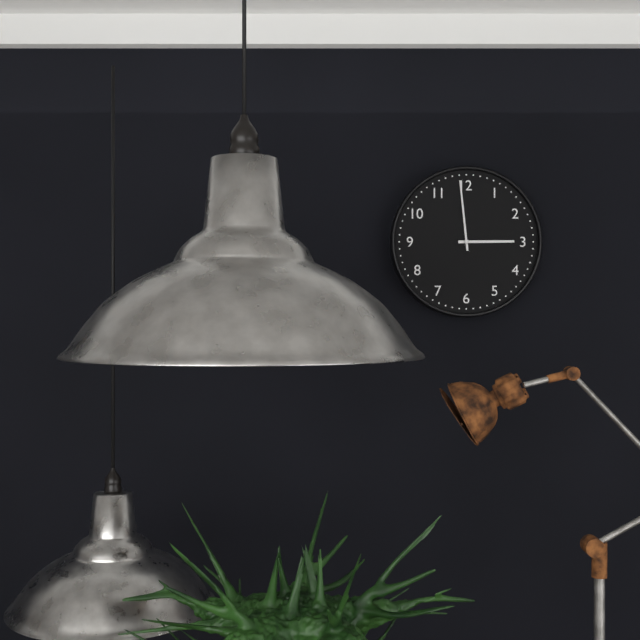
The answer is 2:59
